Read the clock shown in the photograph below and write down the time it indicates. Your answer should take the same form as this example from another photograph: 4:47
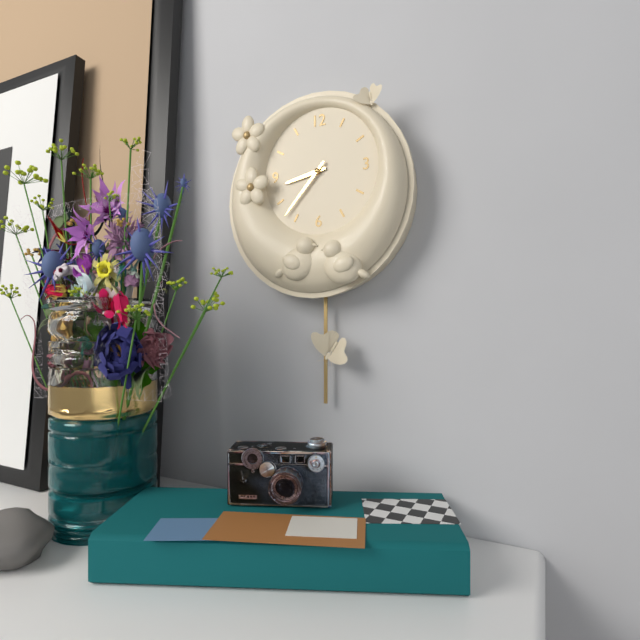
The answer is 8:37
